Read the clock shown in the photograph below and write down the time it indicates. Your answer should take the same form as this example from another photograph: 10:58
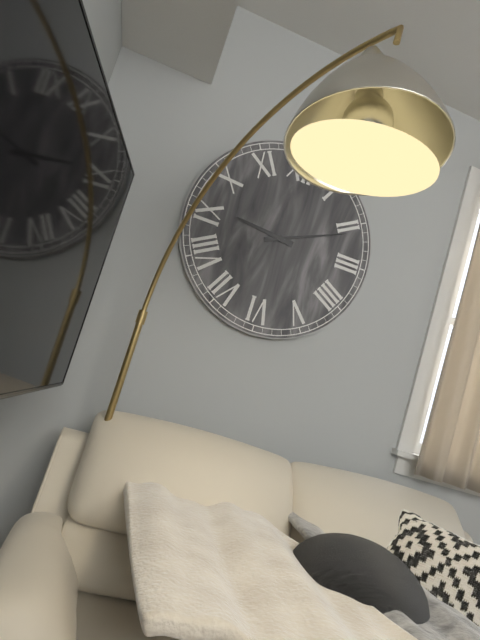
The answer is 9:11
